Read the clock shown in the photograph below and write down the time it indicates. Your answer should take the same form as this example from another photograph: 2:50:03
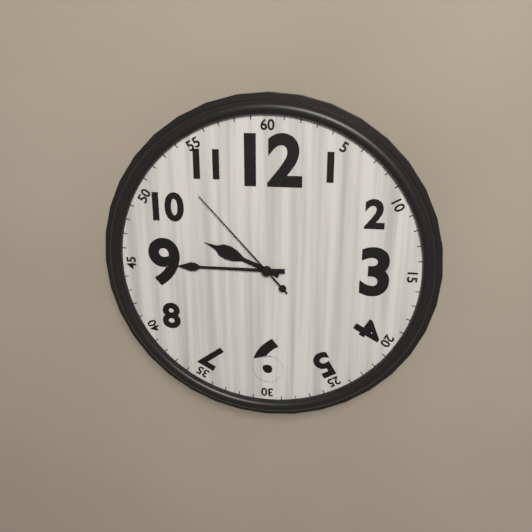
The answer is 9:45:53
